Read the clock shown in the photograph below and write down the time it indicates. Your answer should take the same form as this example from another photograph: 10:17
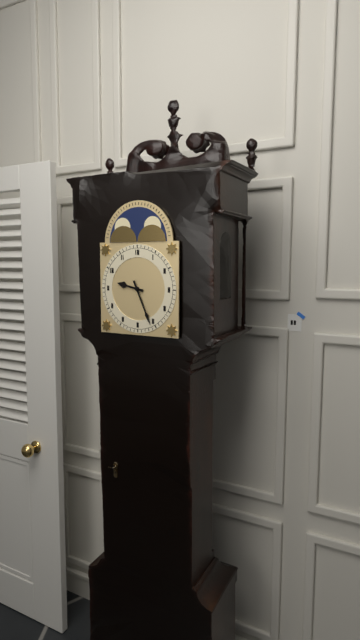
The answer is 9:26
